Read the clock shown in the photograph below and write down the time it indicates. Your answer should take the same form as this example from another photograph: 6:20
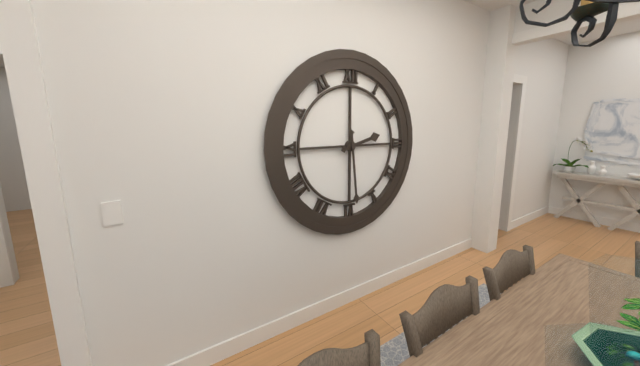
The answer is 2:29
